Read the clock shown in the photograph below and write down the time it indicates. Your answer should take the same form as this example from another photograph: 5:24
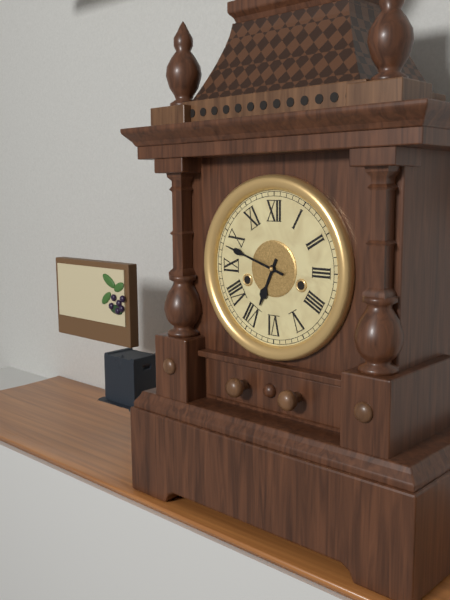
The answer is 6:48
